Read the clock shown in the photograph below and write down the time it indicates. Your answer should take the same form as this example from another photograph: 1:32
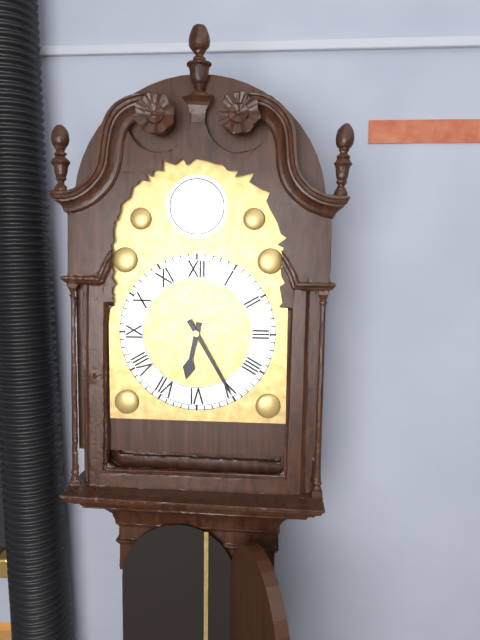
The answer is 6:25
